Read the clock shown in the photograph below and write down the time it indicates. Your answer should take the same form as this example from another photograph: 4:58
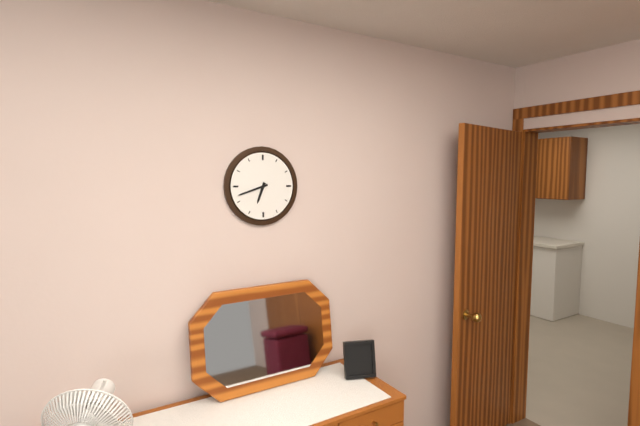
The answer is 6:42
